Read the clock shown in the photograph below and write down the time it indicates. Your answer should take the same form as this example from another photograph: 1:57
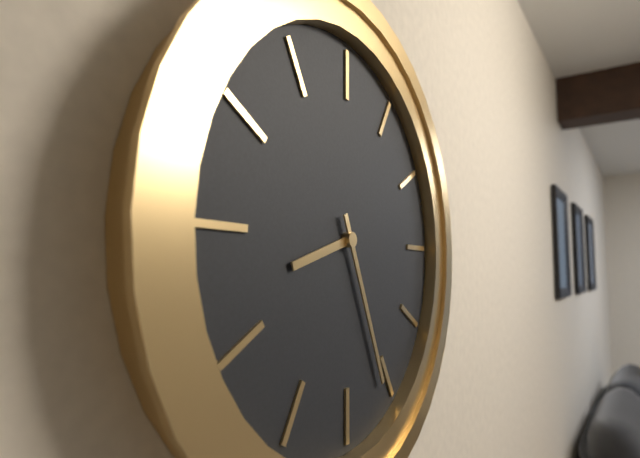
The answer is 8:26
